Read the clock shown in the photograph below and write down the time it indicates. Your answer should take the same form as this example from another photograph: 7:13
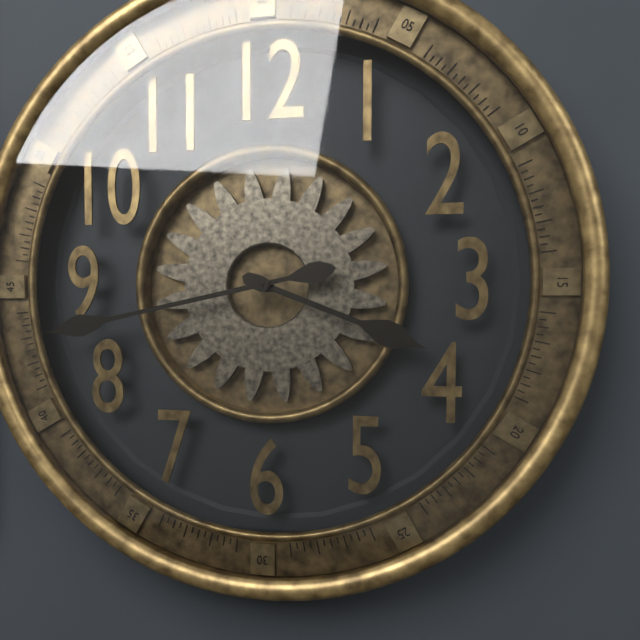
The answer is 3:43
